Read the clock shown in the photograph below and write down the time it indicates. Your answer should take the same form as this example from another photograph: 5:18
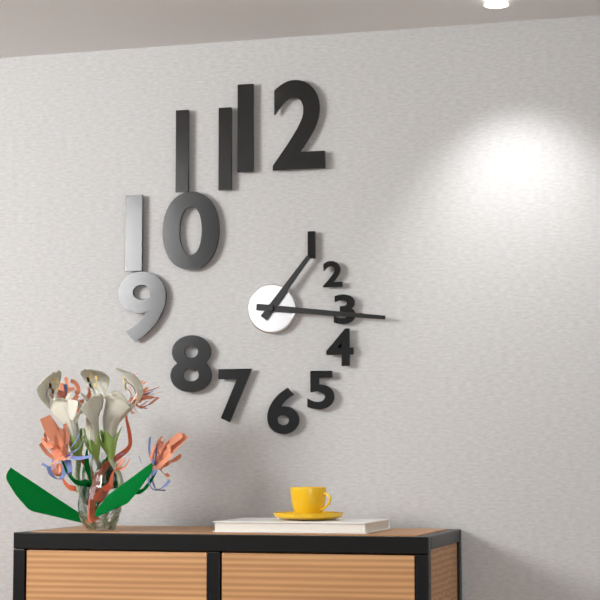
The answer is 1:16
